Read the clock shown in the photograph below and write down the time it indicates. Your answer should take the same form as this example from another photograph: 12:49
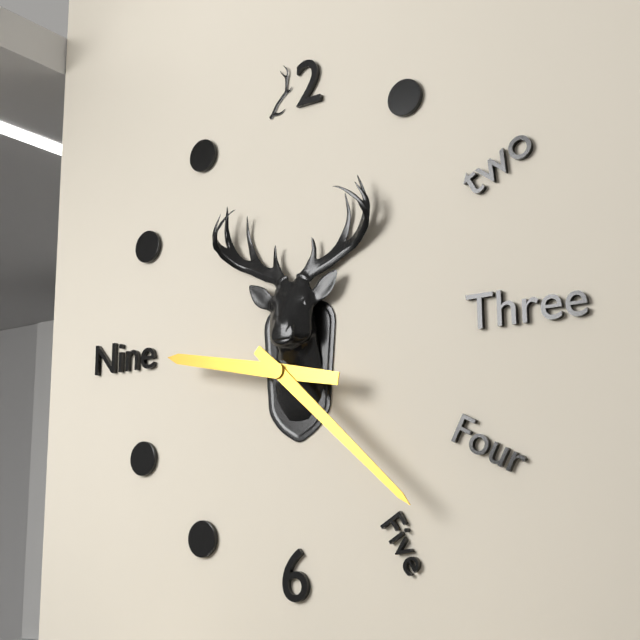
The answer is 9:22
